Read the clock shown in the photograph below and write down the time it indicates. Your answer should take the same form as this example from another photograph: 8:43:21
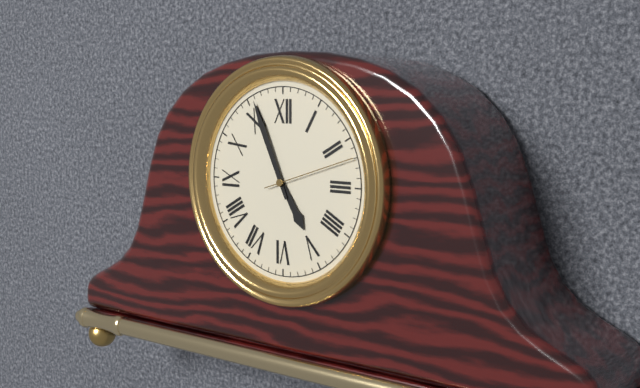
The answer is 4:56:12
